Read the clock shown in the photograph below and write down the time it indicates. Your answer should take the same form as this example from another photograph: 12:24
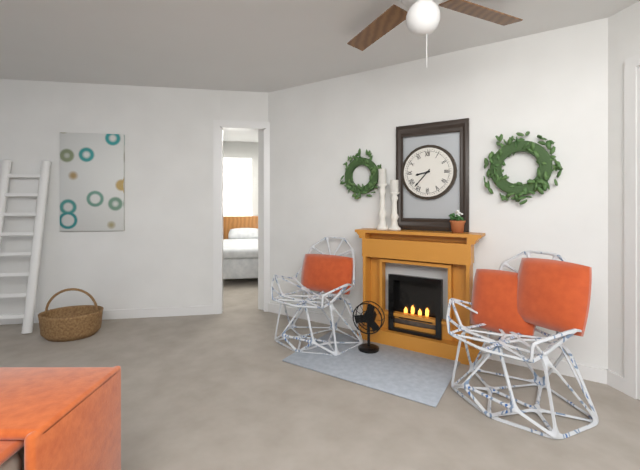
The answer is 8:37
